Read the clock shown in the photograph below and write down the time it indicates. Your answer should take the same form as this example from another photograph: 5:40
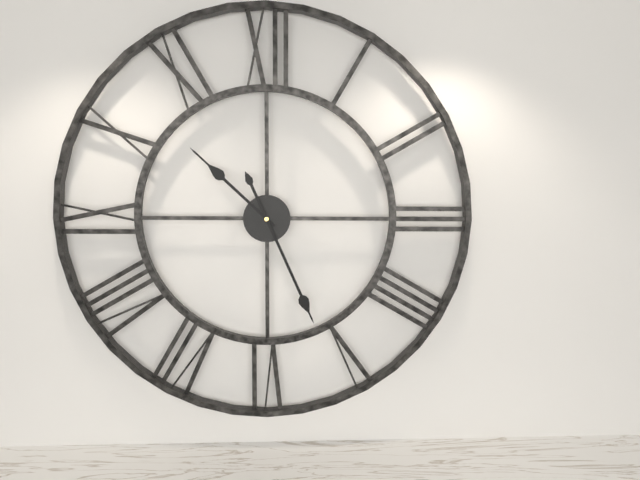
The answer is 10:26
